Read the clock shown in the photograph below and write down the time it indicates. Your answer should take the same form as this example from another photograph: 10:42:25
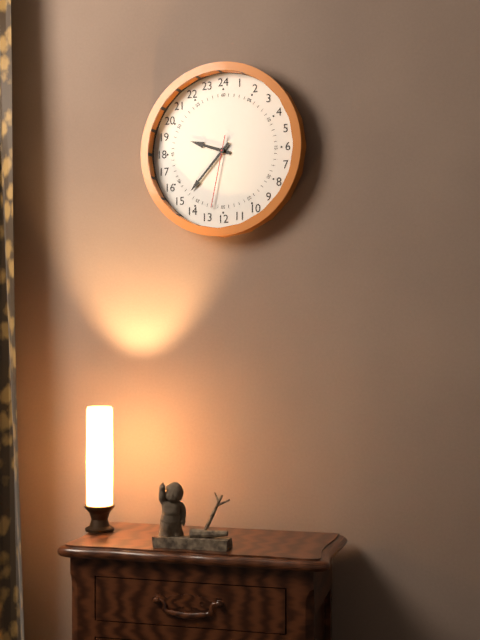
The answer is 9:37:32
